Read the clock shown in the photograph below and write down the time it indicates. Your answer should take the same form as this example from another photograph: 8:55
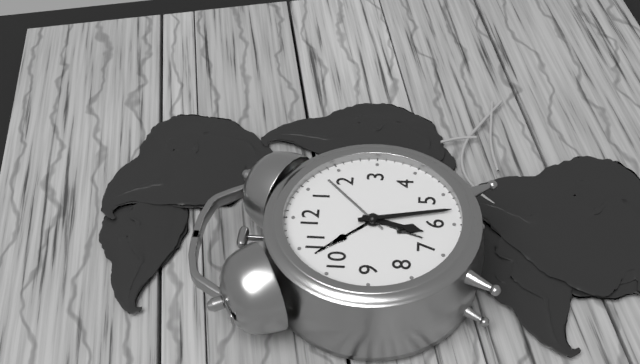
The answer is 6:28
